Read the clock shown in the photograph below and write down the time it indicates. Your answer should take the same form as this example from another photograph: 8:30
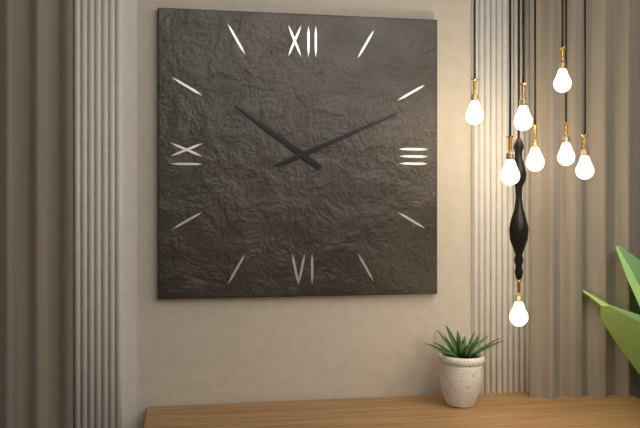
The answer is 10:11
